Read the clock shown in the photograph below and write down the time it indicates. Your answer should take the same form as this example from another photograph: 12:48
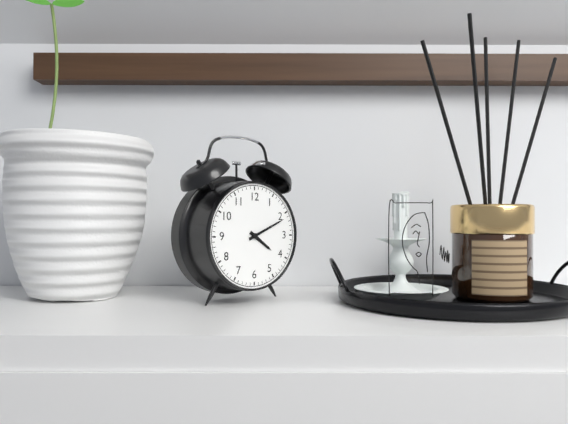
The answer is 4:11
